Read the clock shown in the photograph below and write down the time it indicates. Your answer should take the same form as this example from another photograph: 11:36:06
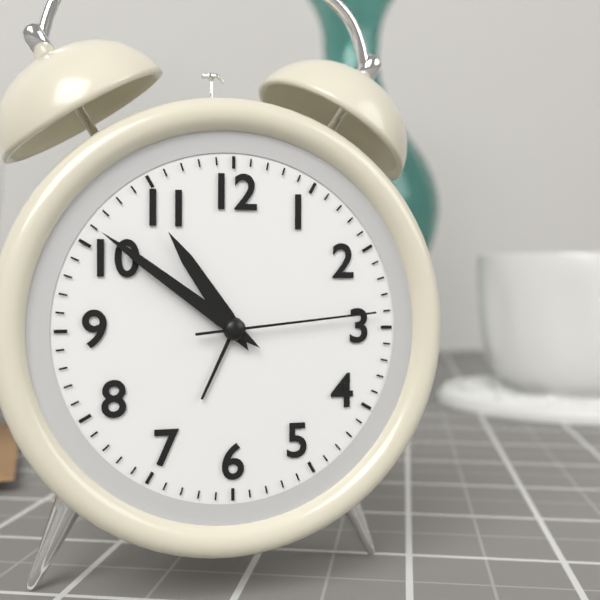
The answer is 10:51:14
